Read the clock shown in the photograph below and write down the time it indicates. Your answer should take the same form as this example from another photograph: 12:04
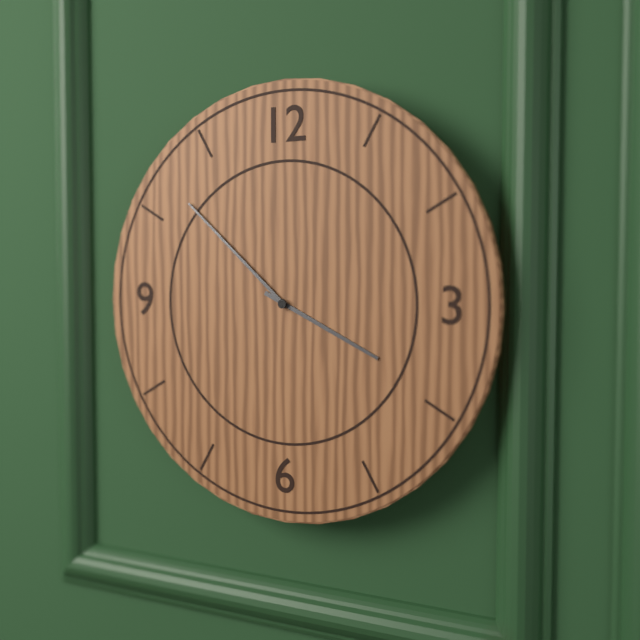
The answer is 3:52
